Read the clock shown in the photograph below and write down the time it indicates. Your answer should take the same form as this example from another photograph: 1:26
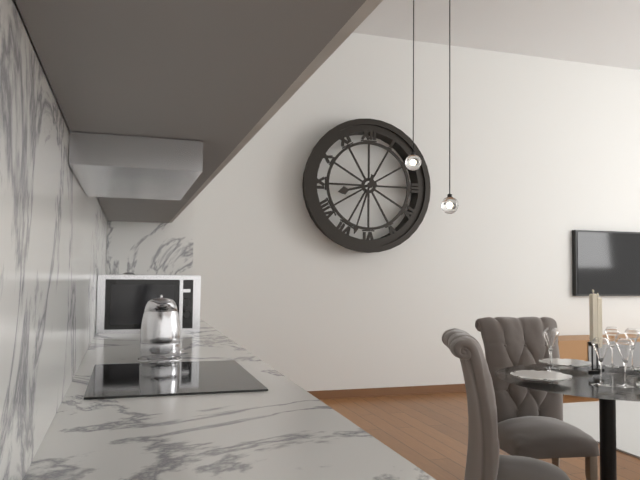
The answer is 8:33
